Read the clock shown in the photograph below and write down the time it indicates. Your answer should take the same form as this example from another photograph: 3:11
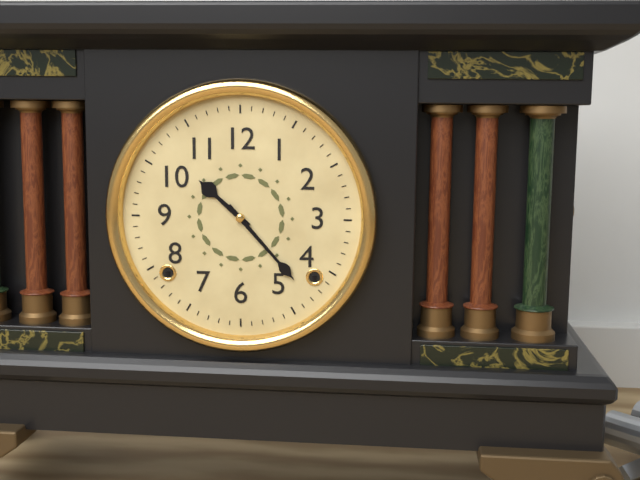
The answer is 10:23
